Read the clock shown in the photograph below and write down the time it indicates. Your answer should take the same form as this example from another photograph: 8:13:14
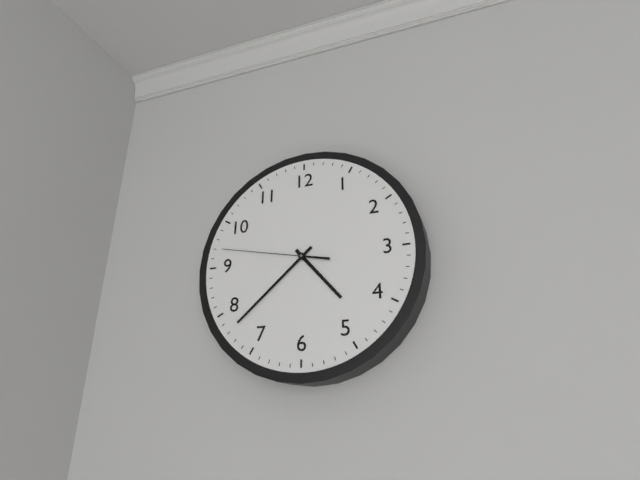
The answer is 4:38:47
